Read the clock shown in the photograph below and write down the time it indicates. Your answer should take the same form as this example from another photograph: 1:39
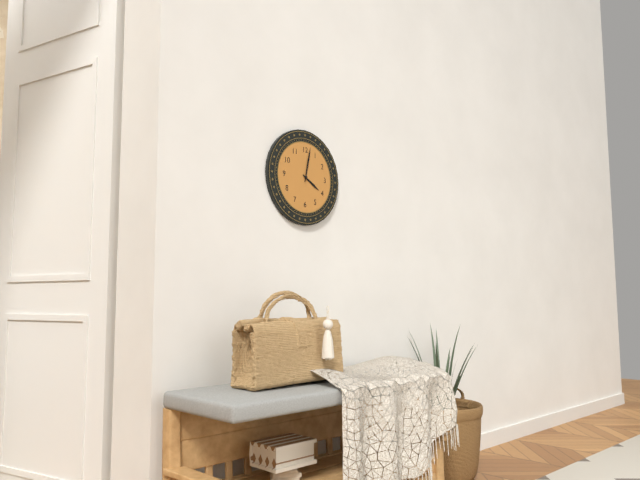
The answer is 4:02
